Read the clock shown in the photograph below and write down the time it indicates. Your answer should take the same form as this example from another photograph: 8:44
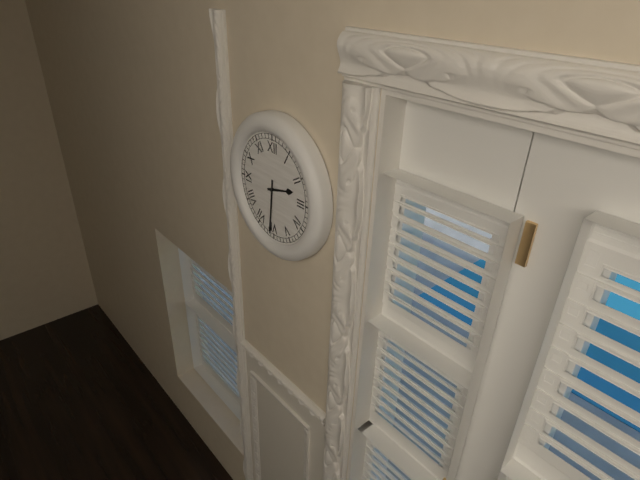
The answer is 2:31
